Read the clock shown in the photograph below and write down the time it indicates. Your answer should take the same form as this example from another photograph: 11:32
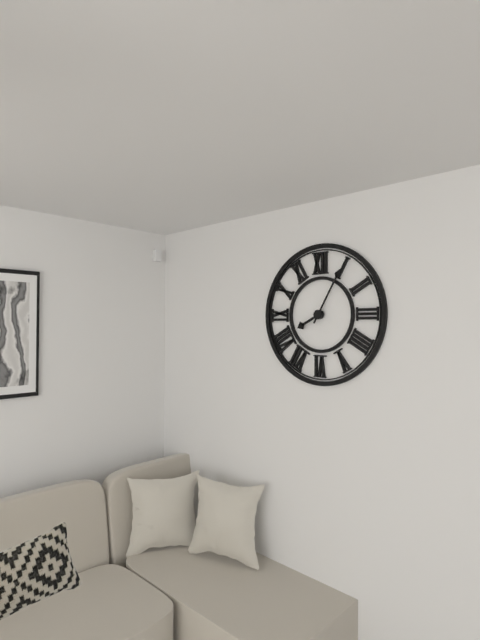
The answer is 8:05
